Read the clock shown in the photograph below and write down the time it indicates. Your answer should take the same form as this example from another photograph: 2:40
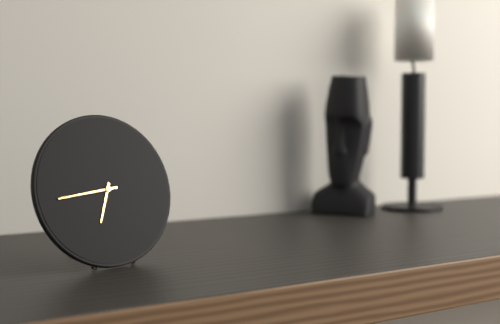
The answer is 6:44
